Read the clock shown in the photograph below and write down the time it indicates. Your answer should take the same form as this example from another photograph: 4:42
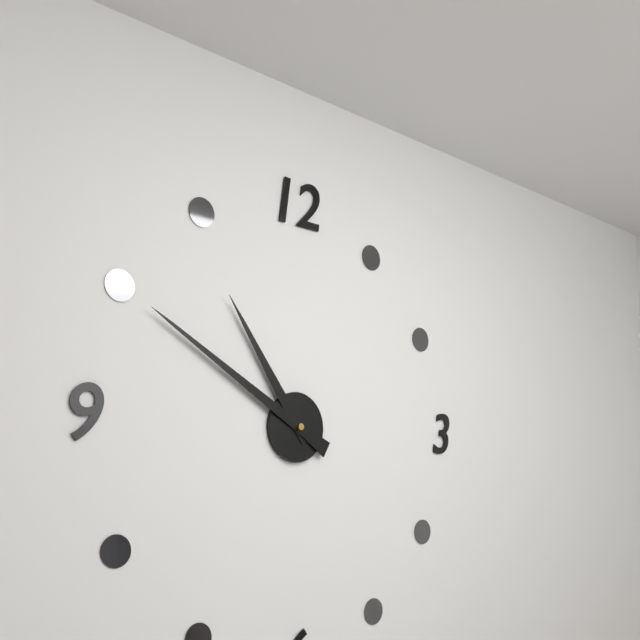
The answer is 10:50
